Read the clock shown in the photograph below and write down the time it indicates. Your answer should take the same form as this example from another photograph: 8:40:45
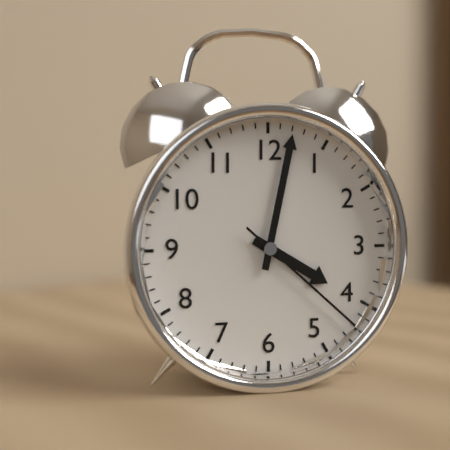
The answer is 4:02:22
